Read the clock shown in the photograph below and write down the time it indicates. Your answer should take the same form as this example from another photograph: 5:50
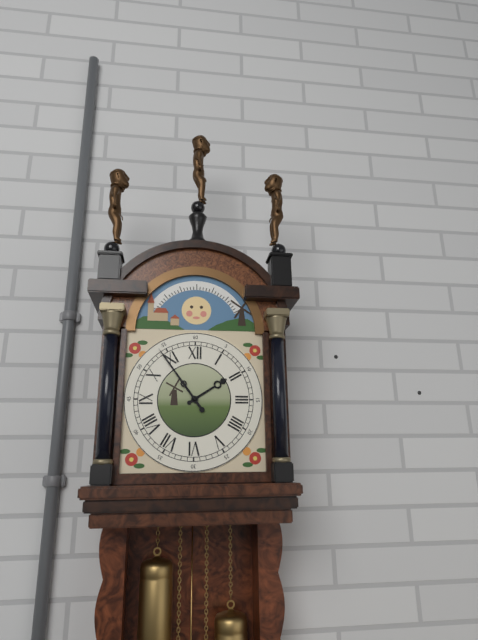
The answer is 1:54
